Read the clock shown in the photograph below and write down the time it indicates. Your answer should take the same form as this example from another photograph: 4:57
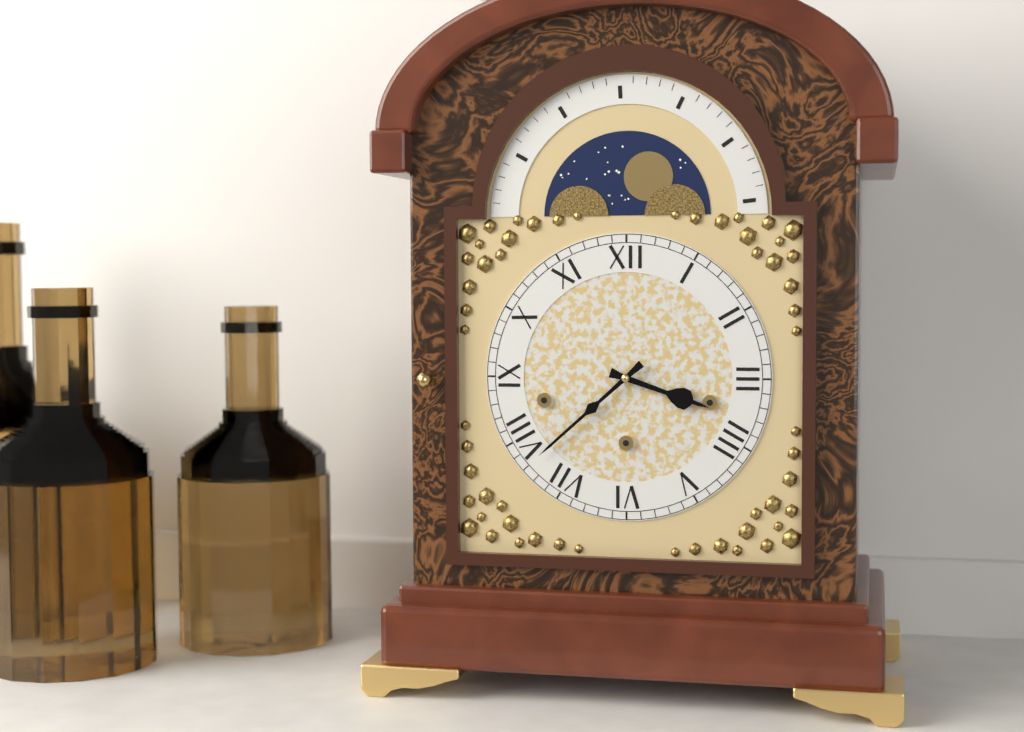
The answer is 3:38
